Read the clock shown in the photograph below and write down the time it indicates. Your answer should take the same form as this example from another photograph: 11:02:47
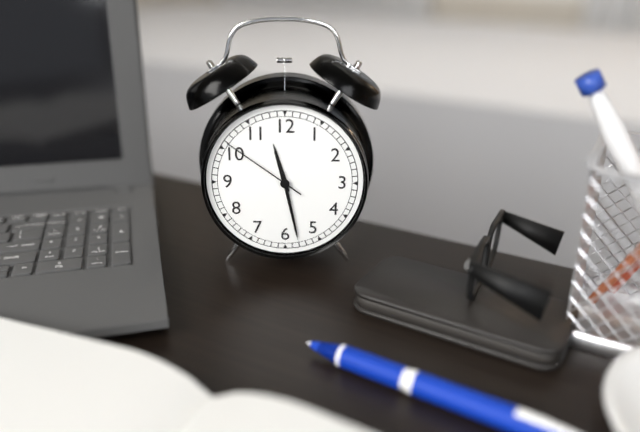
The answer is 11:28:51
